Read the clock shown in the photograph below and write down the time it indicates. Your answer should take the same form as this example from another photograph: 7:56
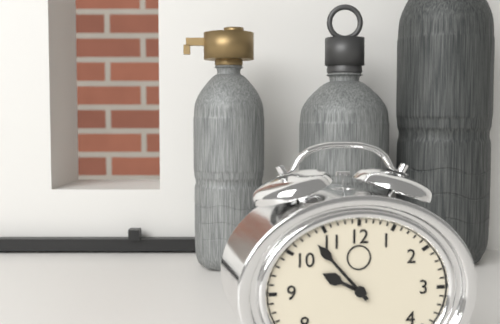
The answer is 9:53
